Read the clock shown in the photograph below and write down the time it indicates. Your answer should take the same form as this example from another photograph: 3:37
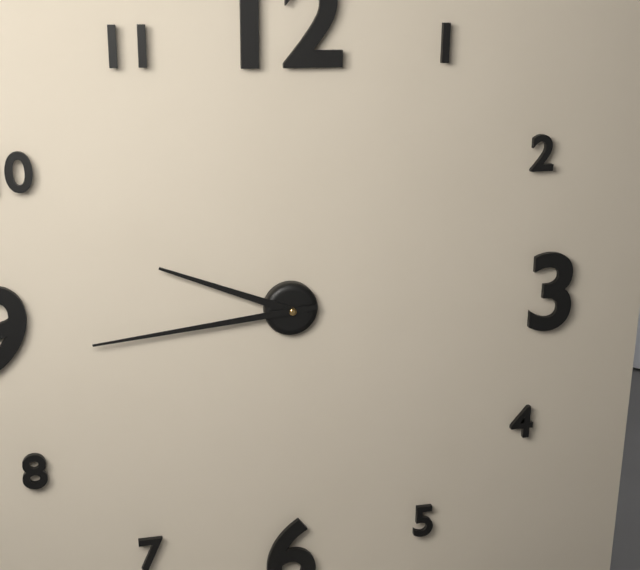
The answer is 9:44
